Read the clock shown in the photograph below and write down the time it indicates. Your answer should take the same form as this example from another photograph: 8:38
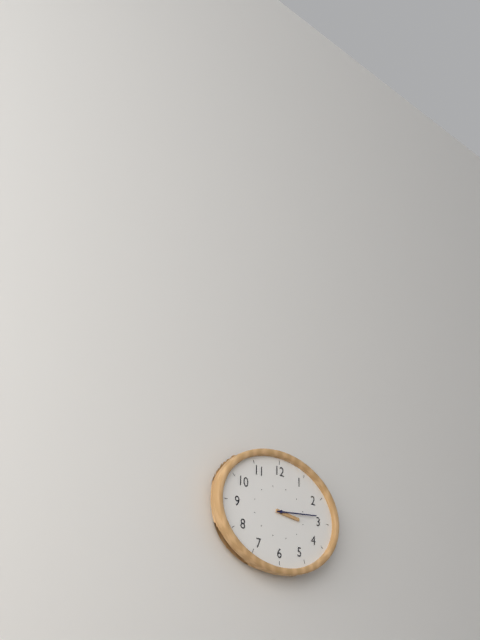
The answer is 3:14
